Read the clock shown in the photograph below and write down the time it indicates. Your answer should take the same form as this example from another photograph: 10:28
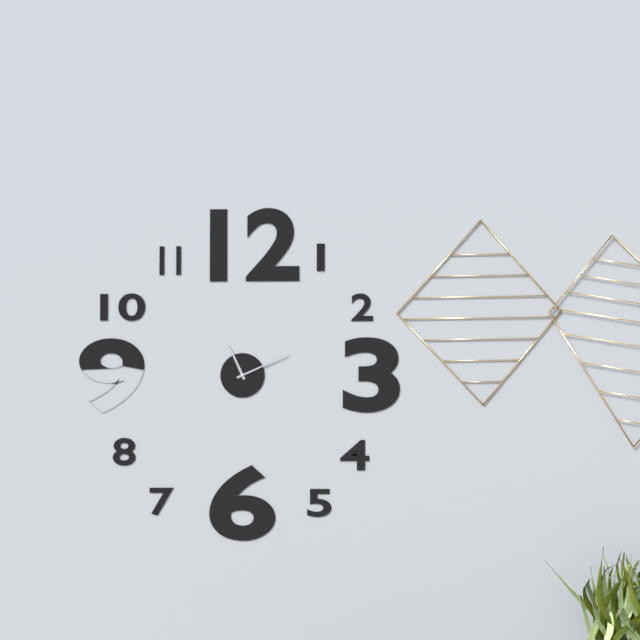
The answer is 11:11
